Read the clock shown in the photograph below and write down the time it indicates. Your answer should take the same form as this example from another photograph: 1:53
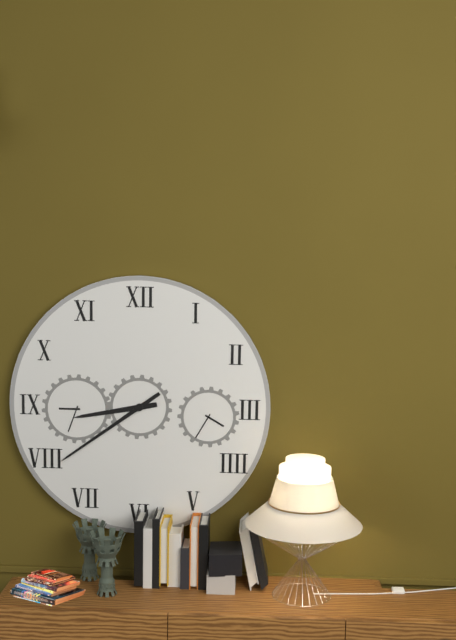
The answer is 8:39
